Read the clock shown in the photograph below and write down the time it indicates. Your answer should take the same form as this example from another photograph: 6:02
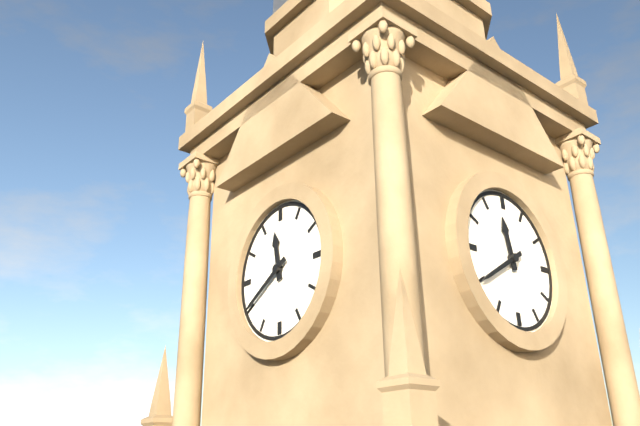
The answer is 11:40
